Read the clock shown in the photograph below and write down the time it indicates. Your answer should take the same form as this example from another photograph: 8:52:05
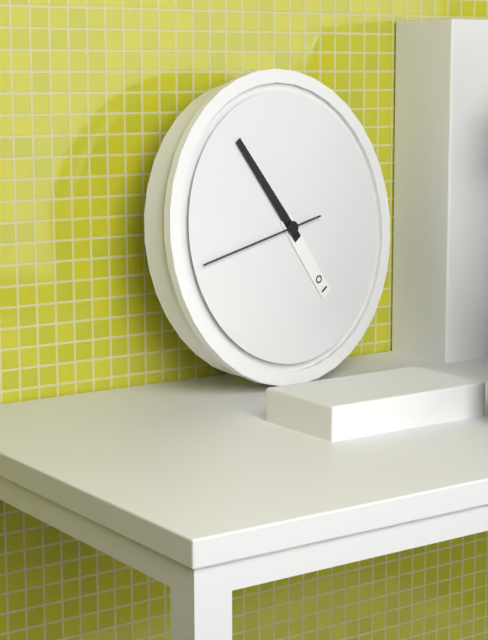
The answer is 4:54:43
